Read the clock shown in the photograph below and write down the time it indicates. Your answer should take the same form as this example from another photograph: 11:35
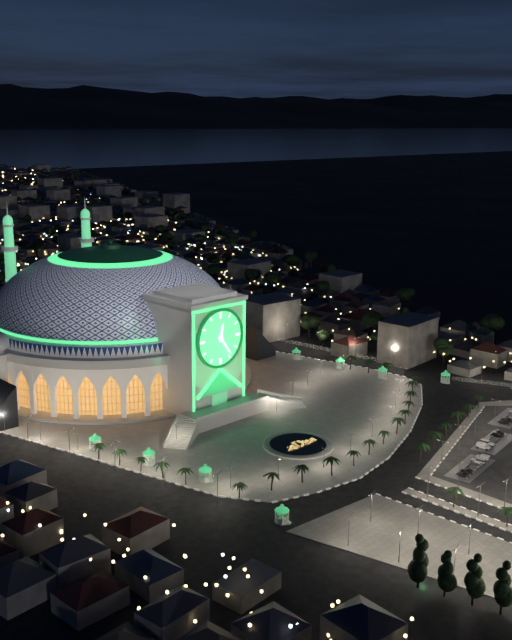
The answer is 12:24
